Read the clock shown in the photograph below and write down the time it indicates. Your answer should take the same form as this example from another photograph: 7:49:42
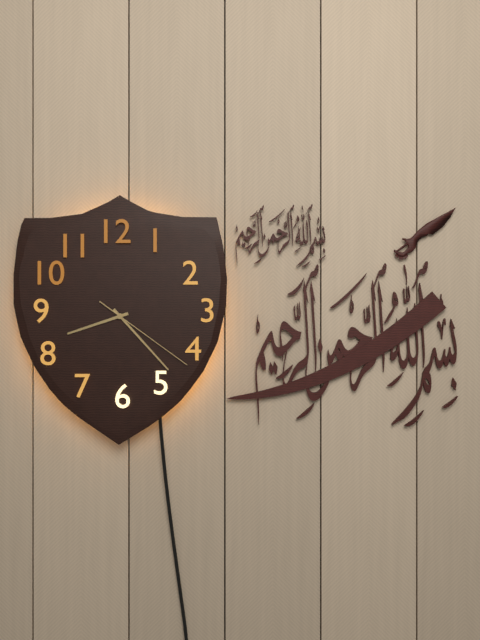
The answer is 8:23:21
